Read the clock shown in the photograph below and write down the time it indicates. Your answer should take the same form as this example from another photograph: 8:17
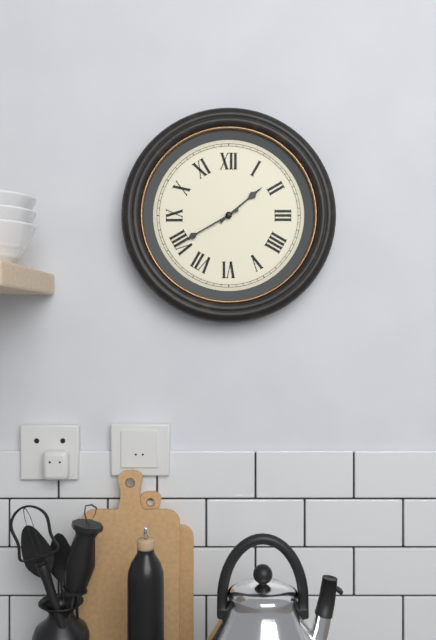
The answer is 1:40
